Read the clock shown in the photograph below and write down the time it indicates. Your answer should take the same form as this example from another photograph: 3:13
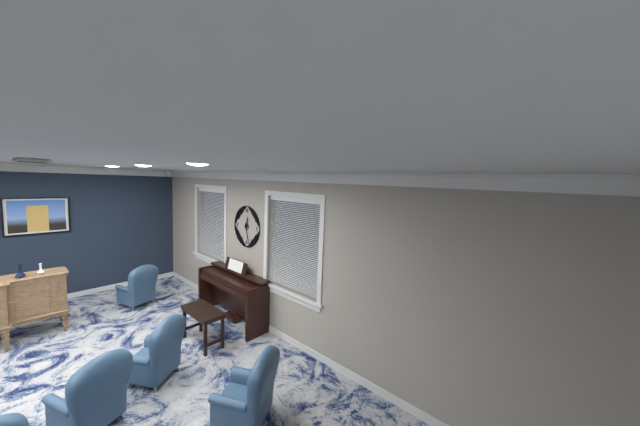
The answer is 12:27
